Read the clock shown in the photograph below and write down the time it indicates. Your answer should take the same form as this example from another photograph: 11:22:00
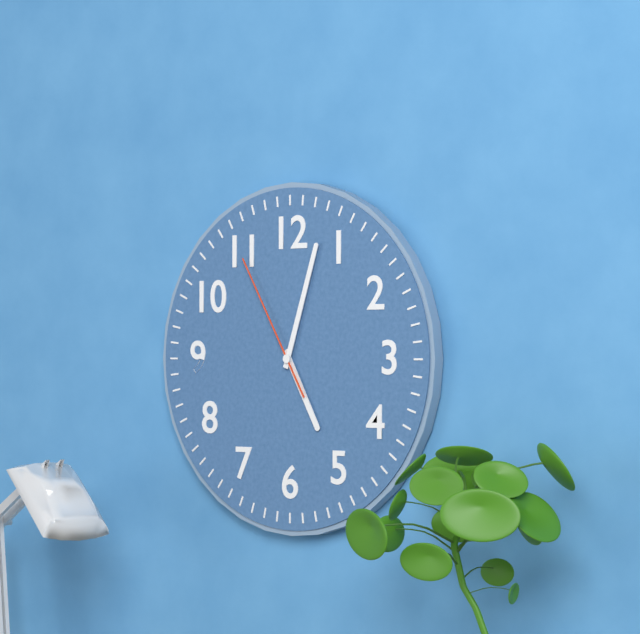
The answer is 5:03:55
